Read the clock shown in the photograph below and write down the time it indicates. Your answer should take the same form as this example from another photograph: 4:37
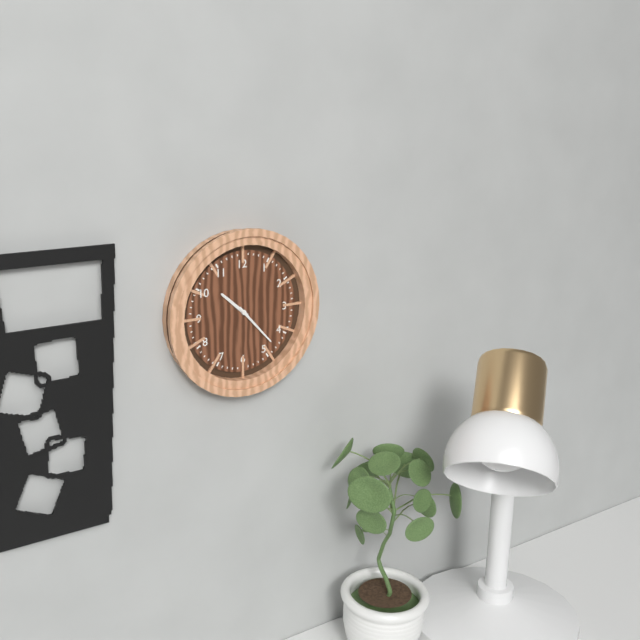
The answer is 10:23
